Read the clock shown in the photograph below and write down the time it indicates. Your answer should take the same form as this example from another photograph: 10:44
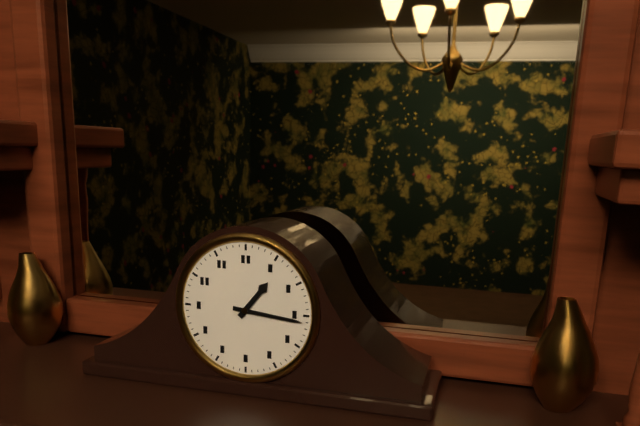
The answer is 1:16
